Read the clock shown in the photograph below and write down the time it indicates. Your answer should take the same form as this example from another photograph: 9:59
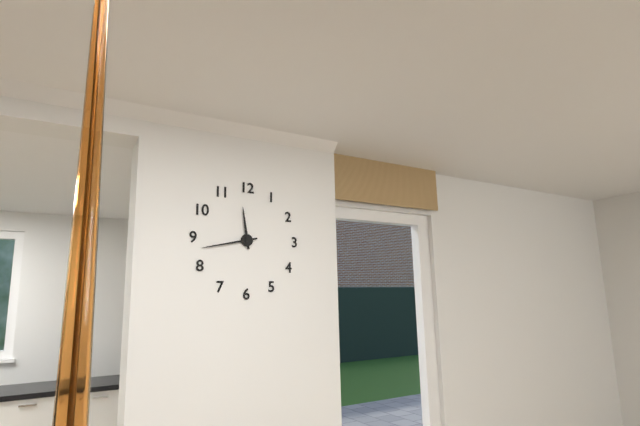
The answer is 11:43
